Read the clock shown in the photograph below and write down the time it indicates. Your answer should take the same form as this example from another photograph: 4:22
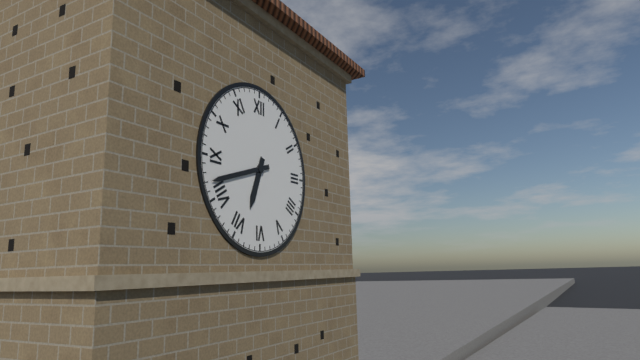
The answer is 6:42
